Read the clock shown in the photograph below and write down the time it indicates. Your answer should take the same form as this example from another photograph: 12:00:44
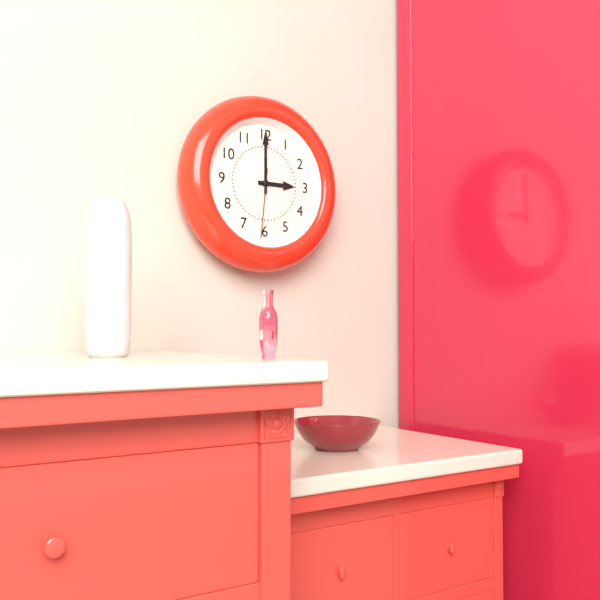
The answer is 3:00:31
